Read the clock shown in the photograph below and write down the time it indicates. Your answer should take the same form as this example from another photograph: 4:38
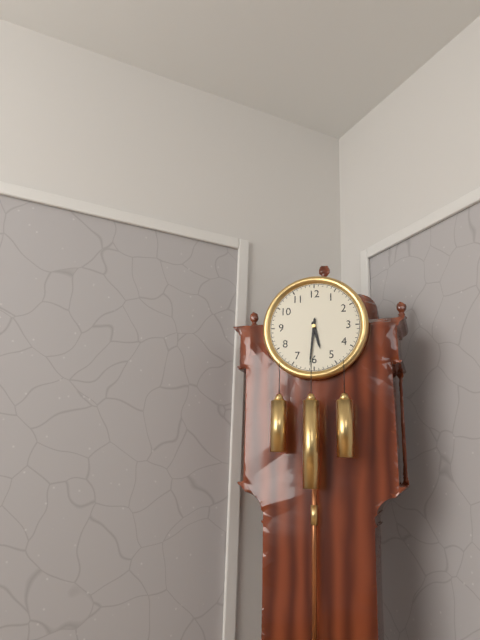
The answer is 5:31
